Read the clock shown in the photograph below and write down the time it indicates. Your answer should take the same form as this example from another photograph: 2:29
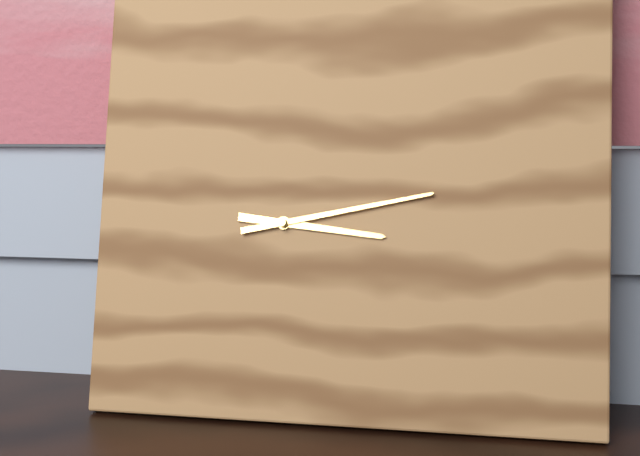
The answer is 3:13
